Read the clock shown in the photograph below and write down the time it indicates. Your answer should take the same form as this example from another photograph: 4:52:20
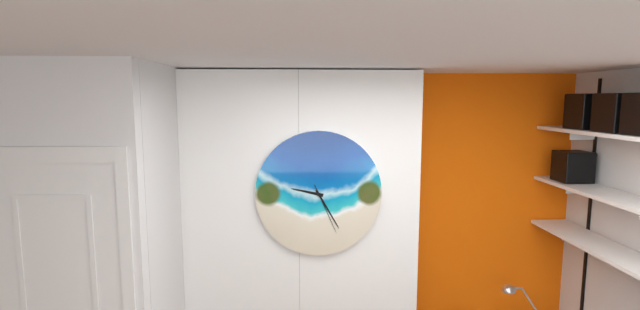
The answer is 9:25:26
